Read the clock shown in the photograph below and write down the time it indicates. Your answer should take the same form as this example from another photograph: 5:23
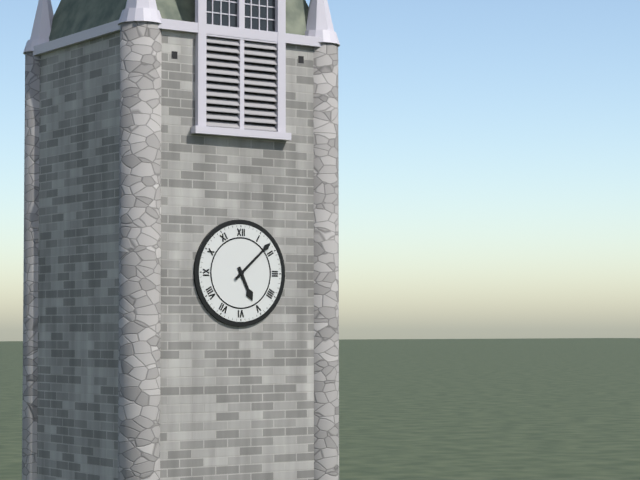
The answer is 5:08
